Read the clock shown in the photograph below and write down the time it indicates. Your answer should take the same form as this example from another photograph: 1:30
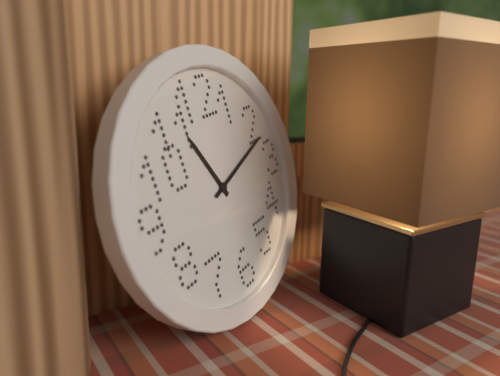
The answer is 11:12
